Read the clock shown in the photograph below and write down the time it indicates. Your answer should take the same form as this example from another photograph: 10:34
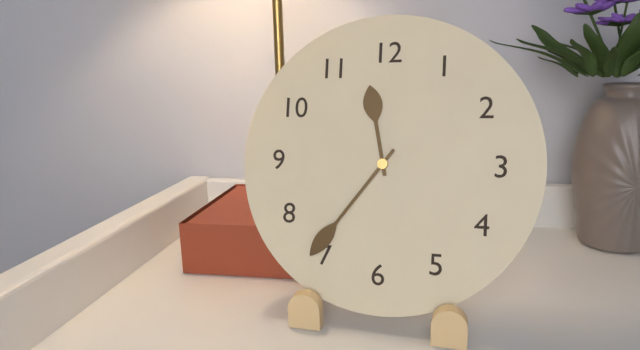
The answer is 11:36
